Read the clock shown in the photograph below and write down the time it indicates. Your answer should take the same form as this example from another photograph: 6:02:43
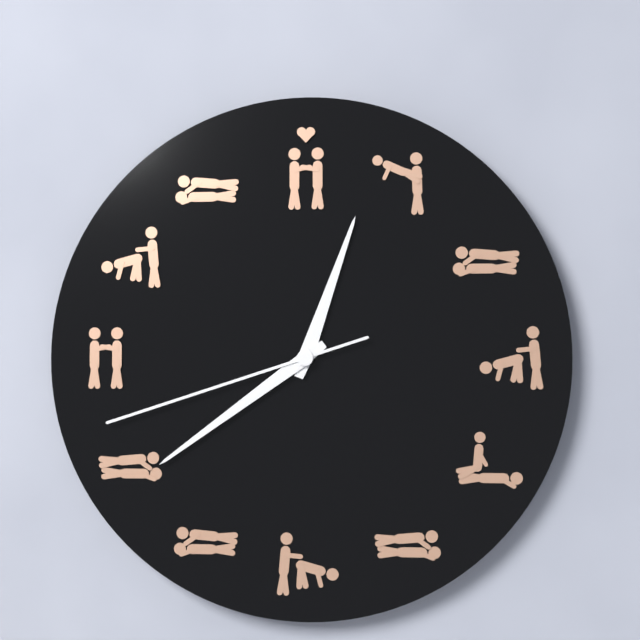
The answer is 12:39:42
